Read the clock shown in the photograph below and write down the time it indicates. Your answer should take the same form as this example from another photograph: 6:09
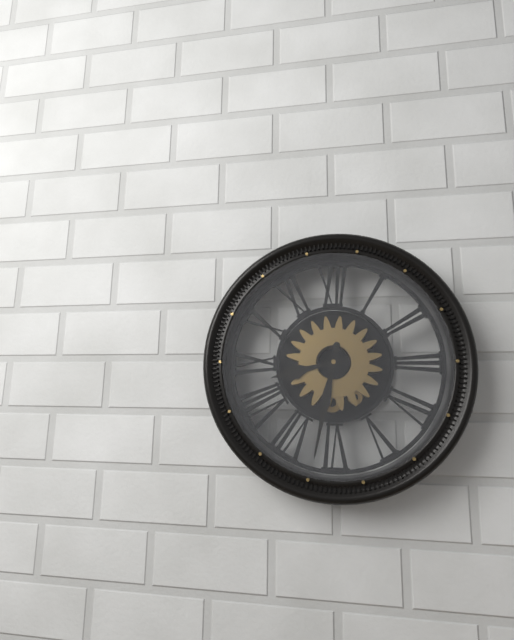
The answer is 8:32
